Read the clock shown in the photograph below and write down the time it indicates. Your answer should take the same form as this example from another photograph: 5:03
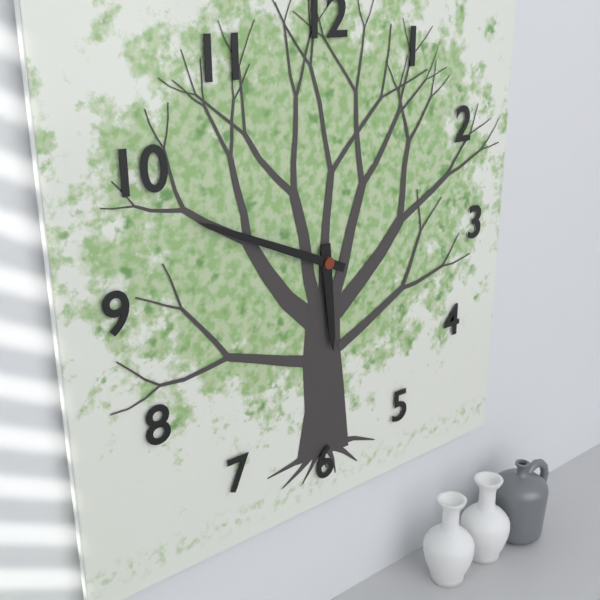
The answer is 5:49
